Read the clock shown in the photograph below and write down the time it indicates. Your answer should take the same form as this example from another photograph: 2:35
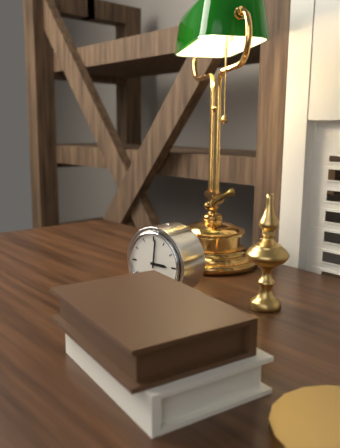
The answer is 3:01
